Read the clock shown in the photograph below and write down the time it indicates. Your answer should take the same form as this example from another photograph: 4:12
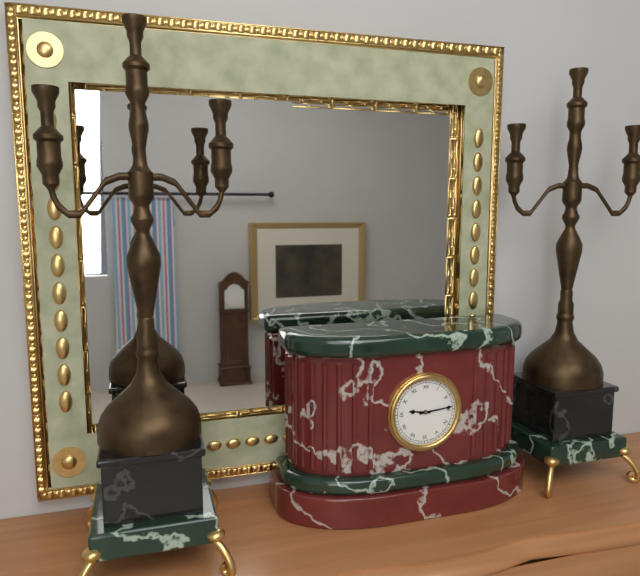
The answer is 9:14
